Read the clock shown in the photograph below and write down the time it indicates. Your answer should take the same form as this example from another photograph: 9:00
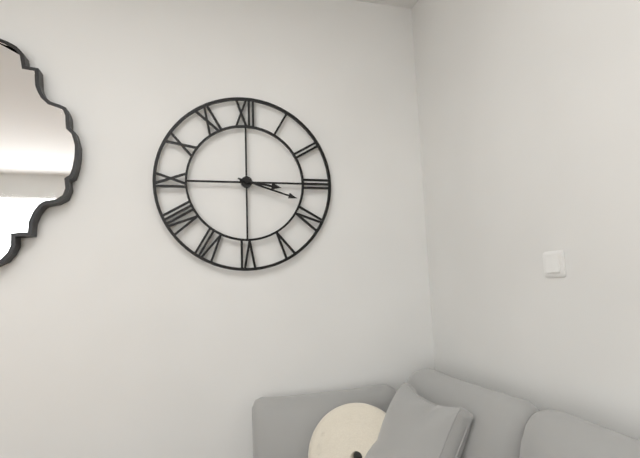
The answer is 3:18
